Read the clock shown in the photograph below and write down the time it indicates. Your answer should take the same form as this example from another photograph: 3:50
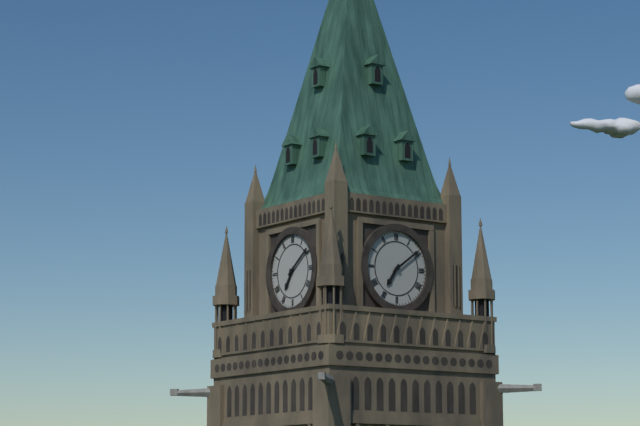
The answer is 7:09
